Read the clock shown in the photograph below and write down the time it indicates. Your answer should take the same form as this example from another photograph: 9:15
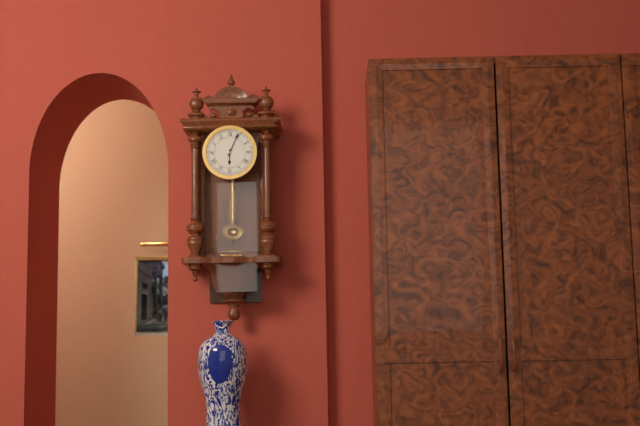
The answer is 6:04
